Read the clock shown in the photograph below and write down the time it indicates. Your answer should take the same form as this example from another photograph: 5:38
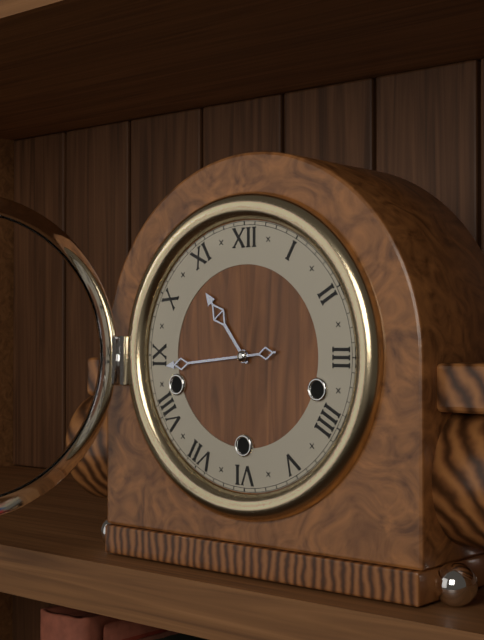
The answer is 10:44
